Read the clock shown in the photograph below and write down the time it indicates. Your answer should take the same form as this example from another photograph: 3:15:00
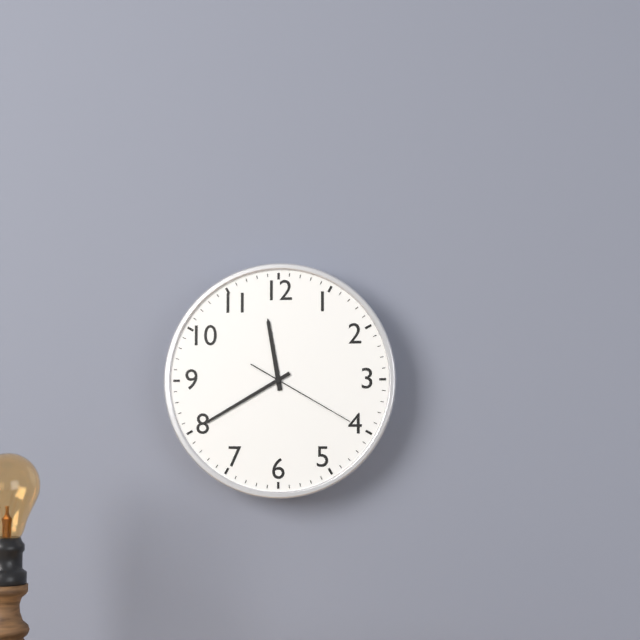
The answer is 11:40:20
